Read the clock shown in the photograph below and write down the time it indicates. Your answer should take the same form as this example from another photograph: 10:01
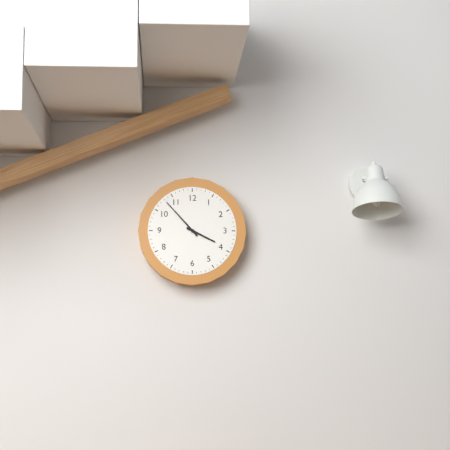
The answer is 3:53
